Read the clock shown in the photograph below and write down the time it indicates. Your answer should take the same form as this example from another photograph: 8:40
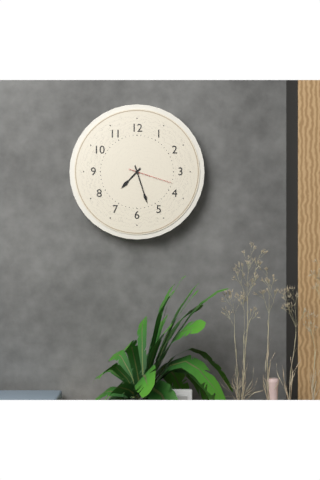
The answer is 7:27
